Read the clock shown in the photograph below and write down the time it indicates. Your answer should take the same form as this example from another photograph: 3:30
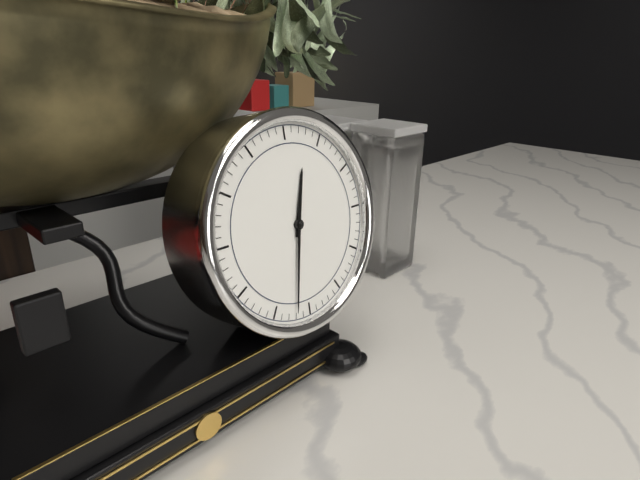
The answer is 12:32
